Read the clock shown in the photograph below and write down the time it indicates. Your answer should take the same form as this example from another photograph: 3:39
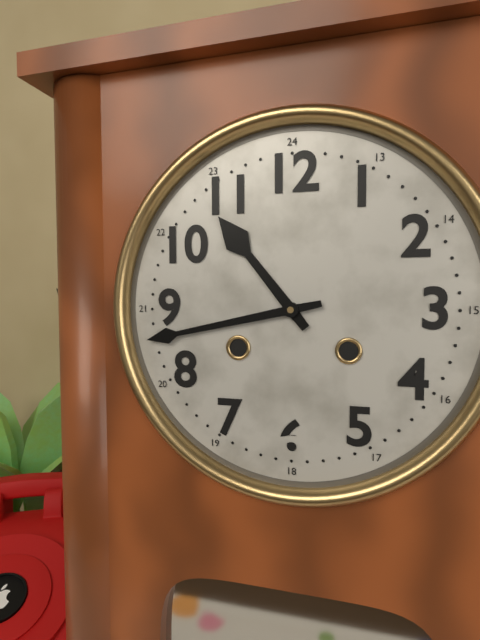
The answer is 10:43
